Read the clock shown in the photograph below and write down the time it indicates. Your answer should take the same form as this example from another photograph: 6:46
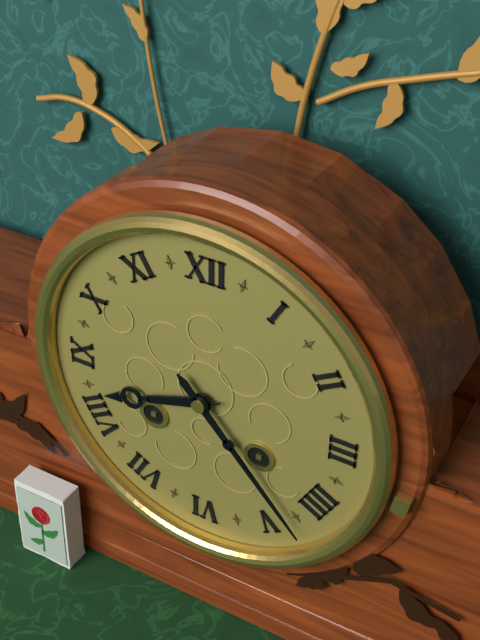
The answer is 8:23
